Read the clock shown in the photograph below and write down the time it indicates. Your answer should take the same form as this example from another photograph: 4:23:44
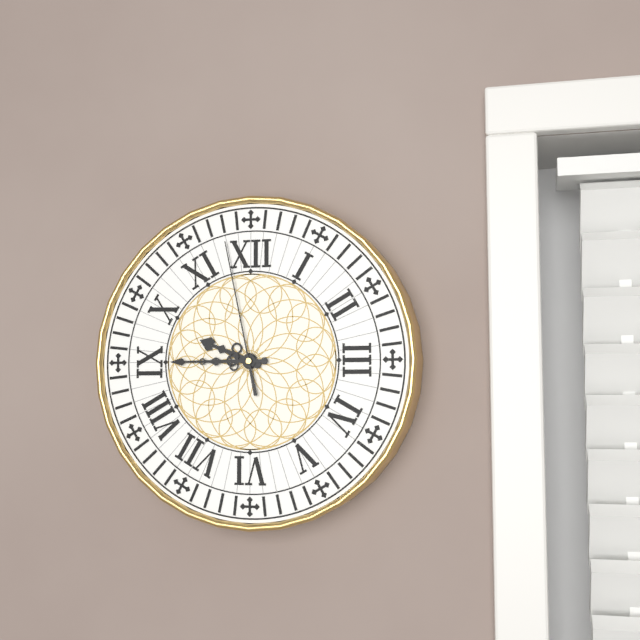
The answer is 9:45:58
